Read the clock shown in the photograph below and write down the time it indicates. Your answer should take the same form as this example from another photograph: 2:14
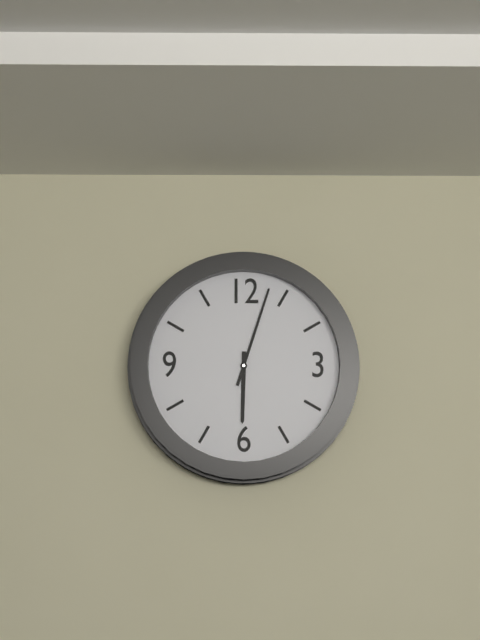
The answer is 6:03
